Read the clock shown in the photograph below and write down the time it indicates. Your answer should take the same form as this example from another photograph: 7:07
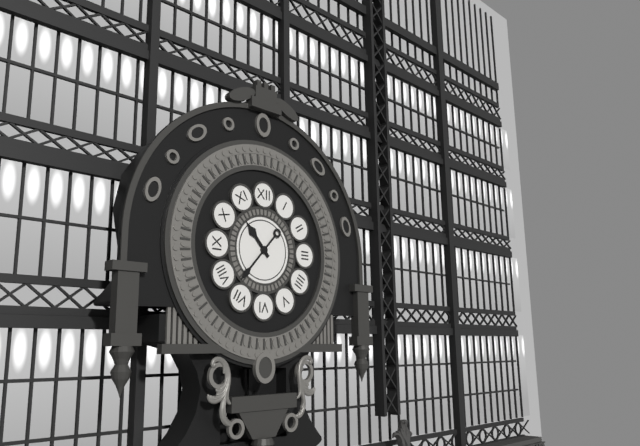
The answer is 10:37
